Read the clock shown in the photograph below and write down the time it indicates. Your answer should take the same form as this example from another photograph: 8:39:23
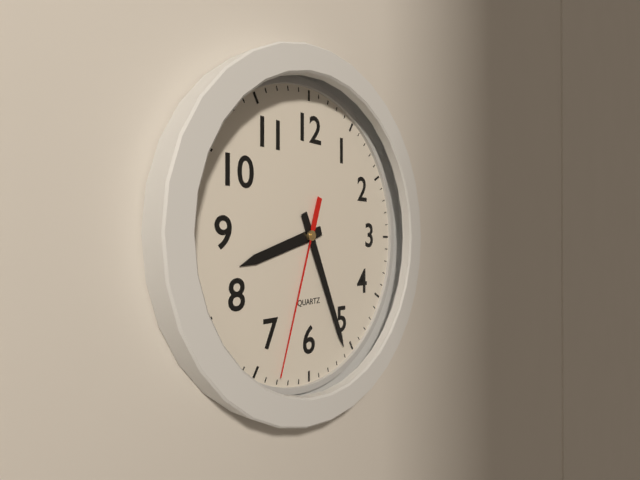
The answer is 8:26:33
